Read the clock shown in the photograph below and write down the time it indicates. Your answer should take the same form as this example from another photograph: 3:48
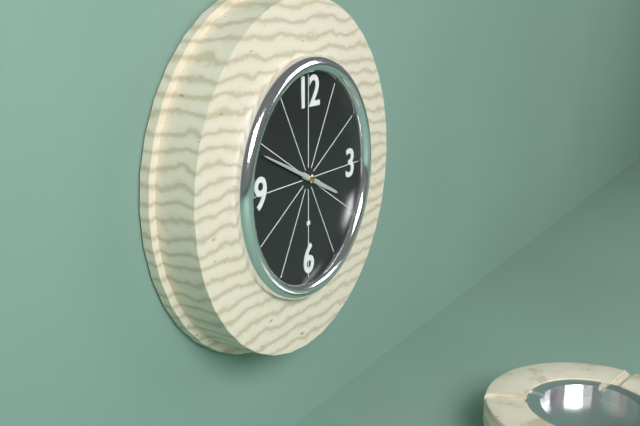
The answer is 3:49
